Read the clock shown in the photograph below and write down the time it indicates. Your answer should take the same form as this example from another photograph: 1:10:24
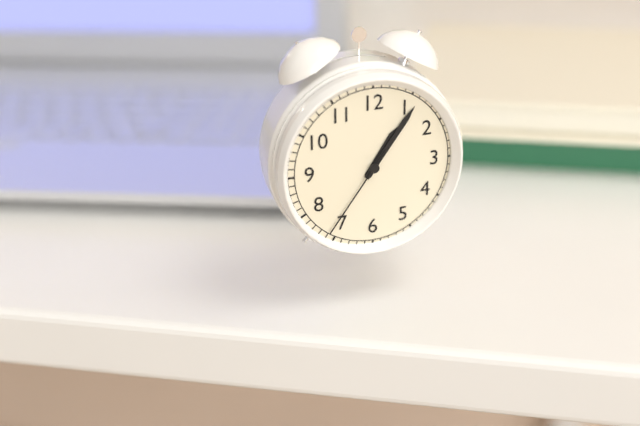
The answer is 1:06:36
